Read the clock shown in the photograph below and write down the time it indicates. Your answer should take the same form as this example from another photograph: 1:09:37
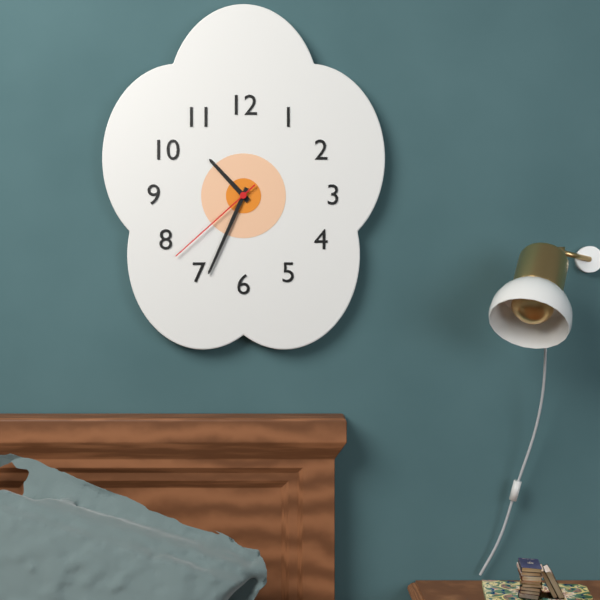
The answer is 10:34:38
